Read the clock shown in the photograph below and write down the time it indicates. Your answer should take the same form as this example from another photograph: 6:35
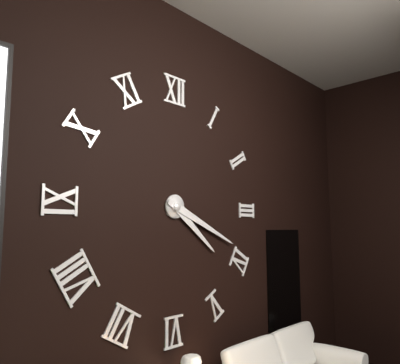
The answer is 4:19
